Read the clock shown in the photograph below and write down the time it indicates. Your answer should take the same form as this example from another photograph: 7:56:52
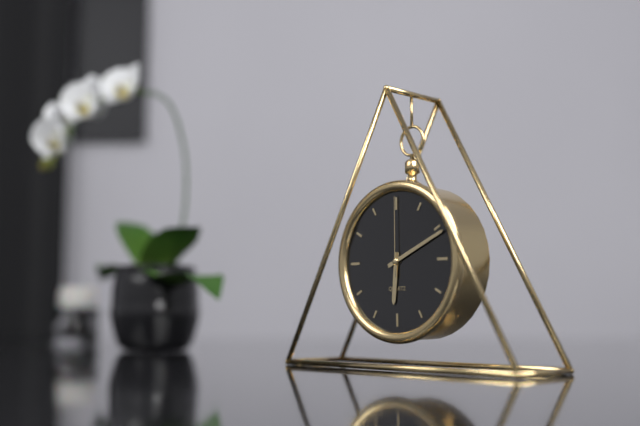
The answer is 6:11:00
